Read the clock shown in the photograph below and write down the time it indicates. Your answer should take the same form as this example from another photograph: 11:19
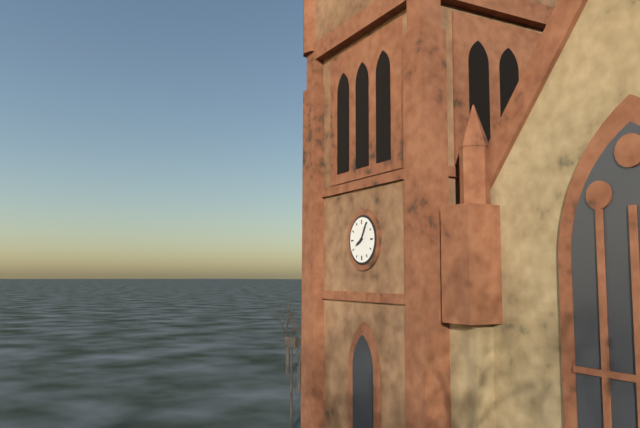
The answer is 8:05
